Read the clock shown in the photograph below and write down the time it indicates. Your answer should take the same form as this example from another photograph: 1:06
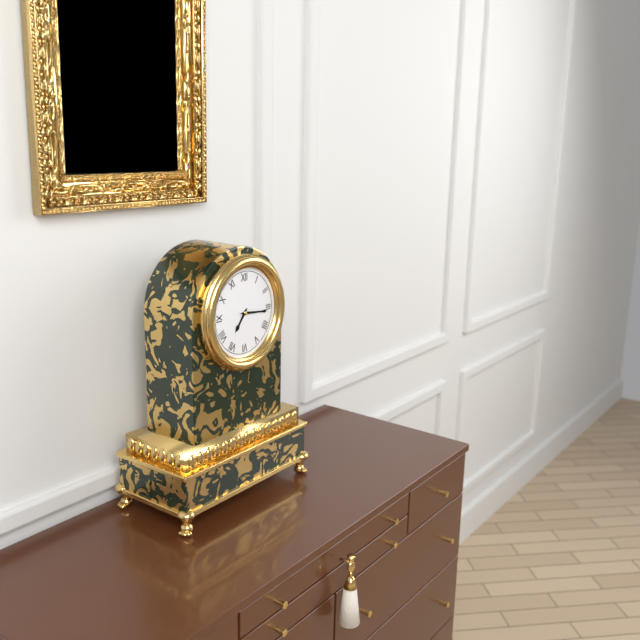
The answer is 7:16
